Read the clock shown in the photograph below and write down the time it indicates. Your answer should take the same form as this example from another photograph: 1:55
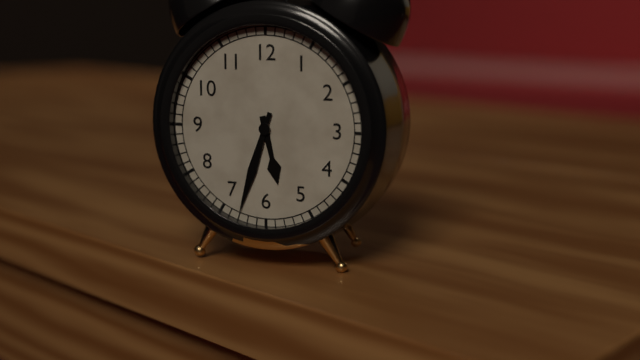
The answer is 5:33
